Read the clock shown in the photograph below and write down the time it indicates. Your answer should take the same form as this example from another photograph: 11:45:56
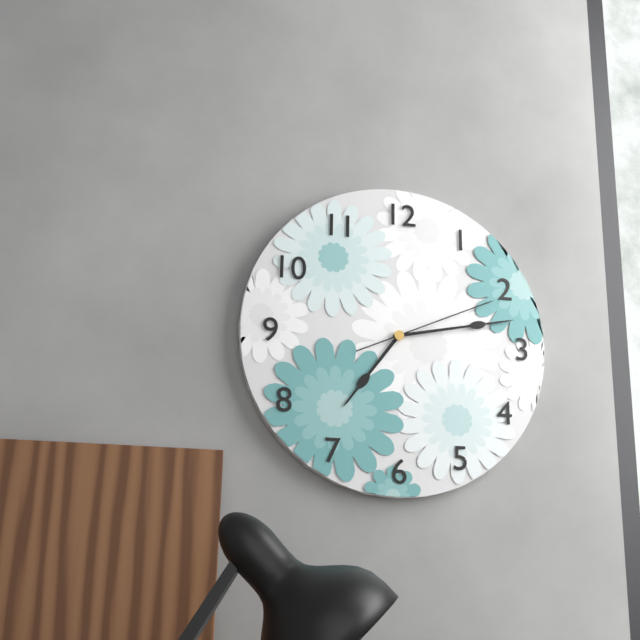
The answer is 7:13:11
